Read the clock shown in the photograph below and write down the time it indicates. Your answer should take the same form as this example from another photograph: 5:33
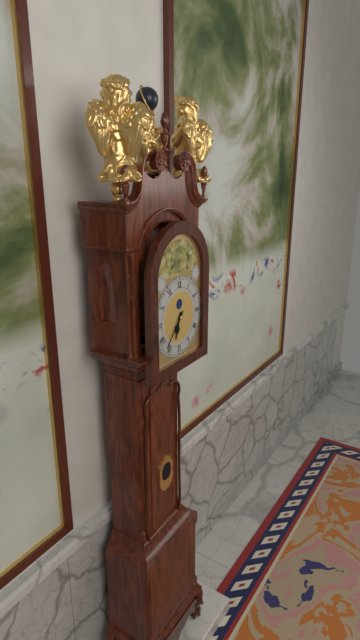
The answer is 6:37
